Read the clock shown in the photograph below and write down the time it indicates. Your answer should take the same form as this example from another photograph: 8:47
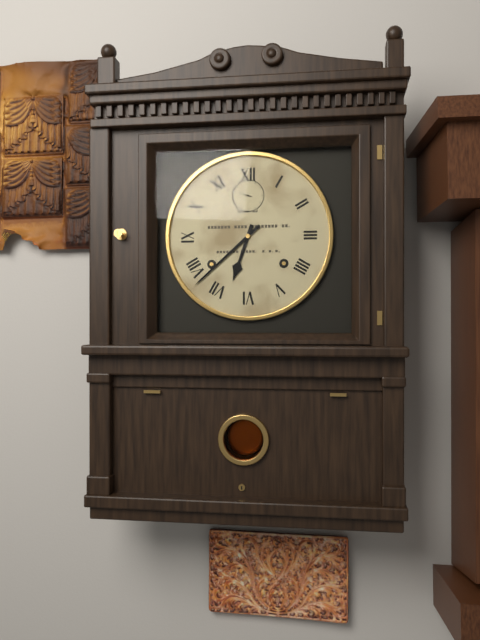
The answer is 6:38
